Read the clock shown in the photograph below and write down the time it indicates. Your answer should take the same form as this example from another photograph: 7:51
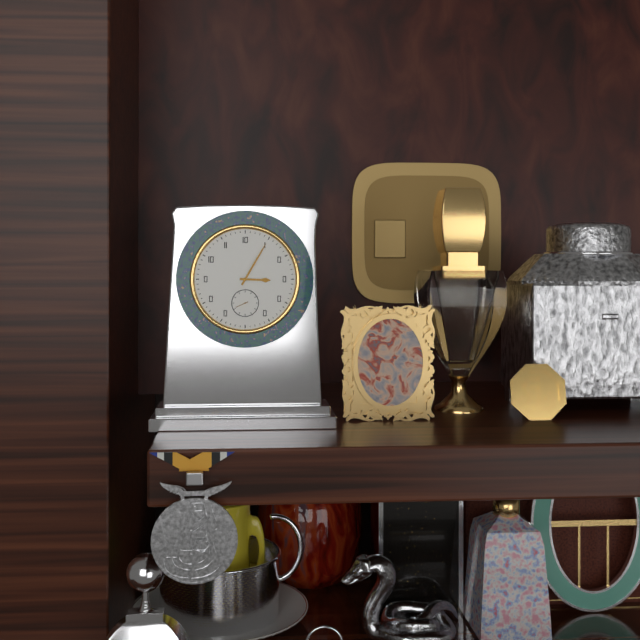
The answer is 3:05
